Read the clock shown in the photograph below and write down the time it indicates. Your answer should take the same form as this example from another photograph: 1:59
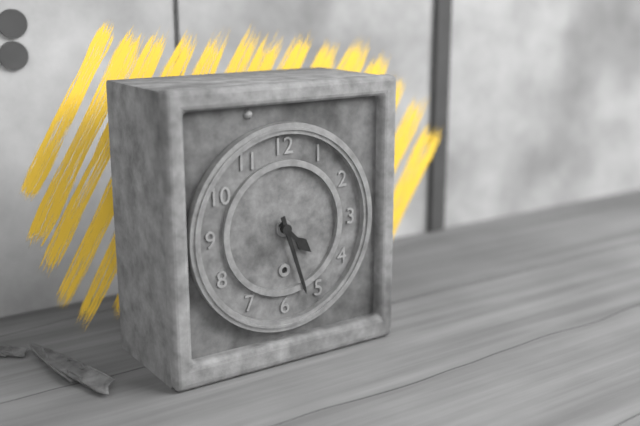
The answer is 4:27
